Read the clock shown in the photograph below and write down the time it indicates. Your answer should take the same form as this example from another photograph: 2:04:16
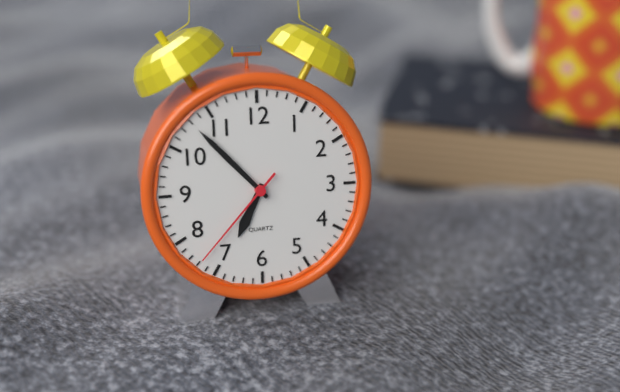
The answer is 6:53:37
